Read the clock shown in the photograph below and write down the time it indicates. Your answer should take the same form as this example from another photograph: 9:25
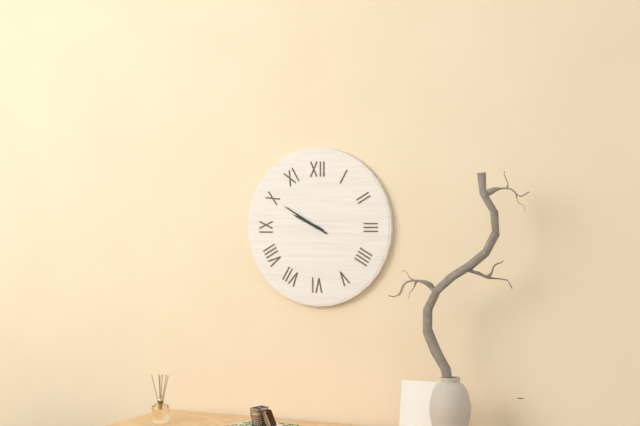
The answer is 9:50
